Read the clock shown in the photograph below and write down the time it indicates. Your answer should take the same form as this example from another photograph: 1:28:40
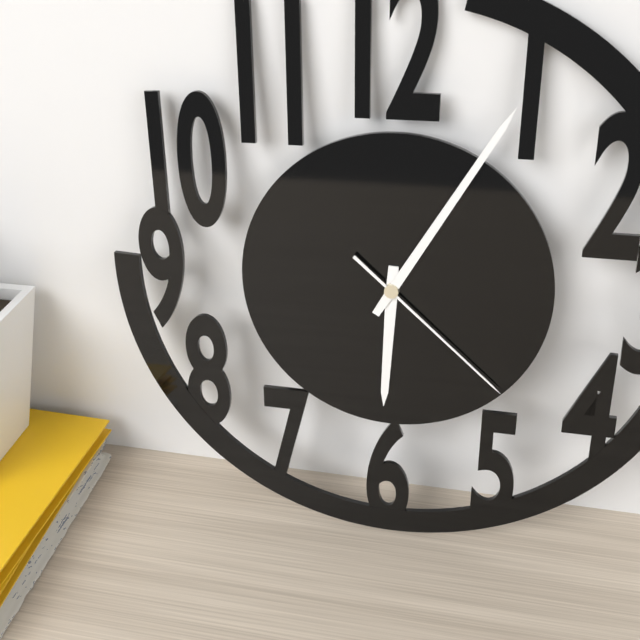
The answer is 6:05:22
